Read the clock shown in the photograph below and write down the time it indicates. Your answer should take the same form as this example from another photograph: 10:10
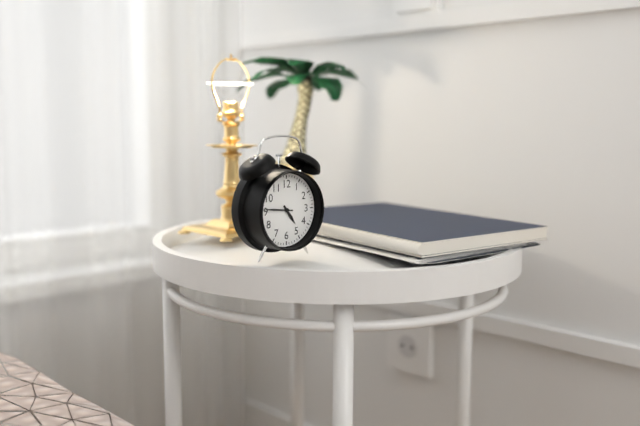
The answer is 4:46
